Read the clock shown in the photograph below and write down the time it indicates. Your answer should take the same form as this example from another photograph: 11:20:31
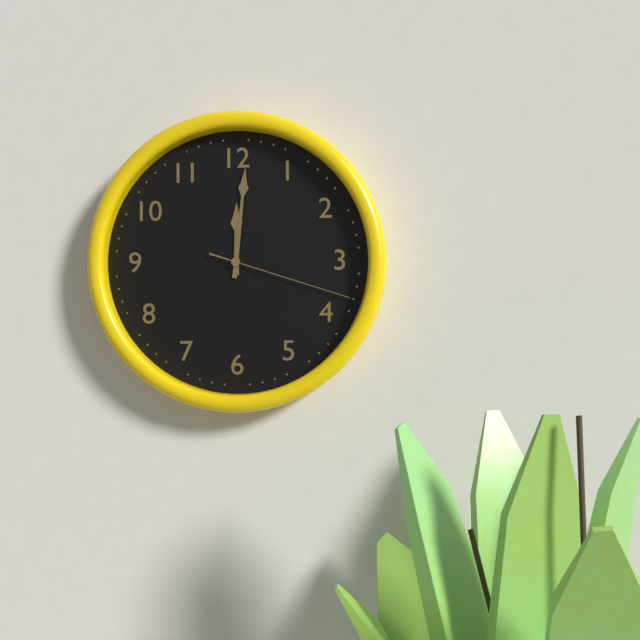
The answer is 12:01:18
